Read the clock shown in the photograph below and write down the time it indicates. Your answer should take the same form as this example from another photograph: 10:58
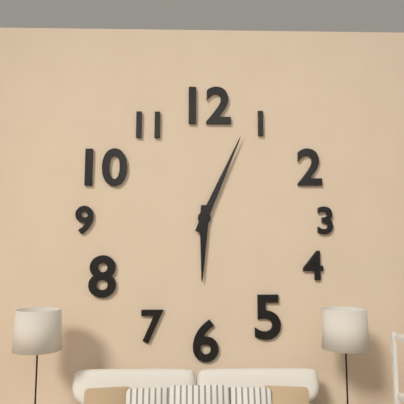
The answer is 6:04
